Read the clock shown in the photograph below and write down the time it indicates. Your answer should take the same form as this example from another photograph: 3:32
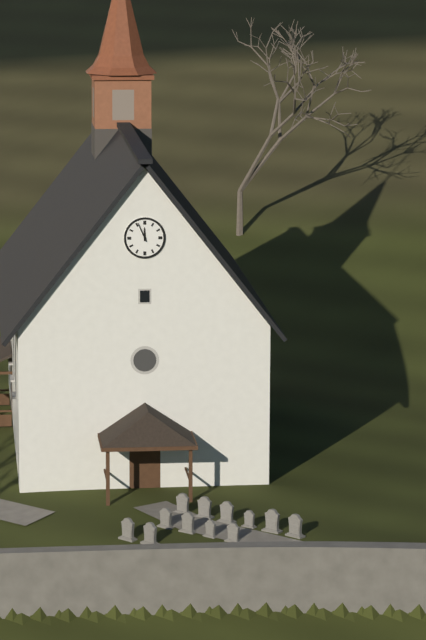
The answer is 11:56
